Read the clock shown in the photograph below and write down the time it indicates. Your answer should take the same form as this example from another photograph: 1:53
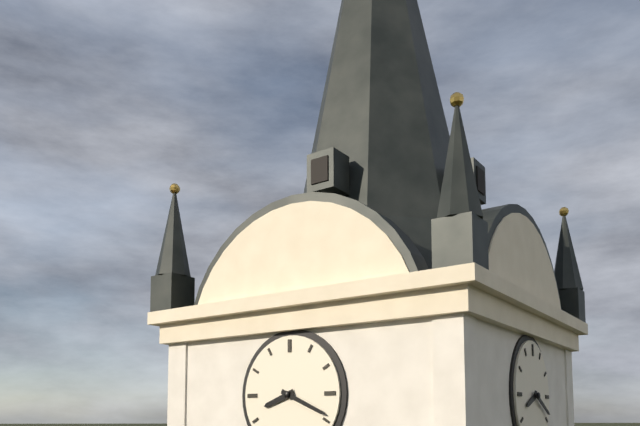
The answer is 8:19
